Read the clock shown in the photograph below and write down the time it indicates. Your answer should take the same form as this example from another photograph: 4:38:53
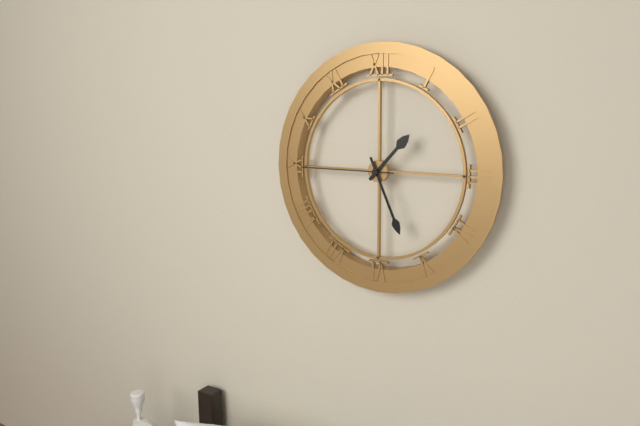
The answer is 1:26:45
